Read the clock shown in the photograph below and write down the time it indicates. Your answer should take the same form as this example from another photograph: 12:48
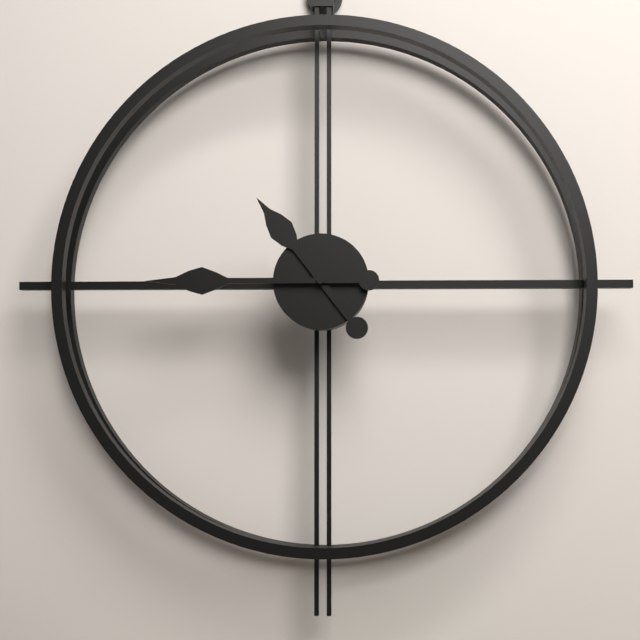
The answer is 10:45
